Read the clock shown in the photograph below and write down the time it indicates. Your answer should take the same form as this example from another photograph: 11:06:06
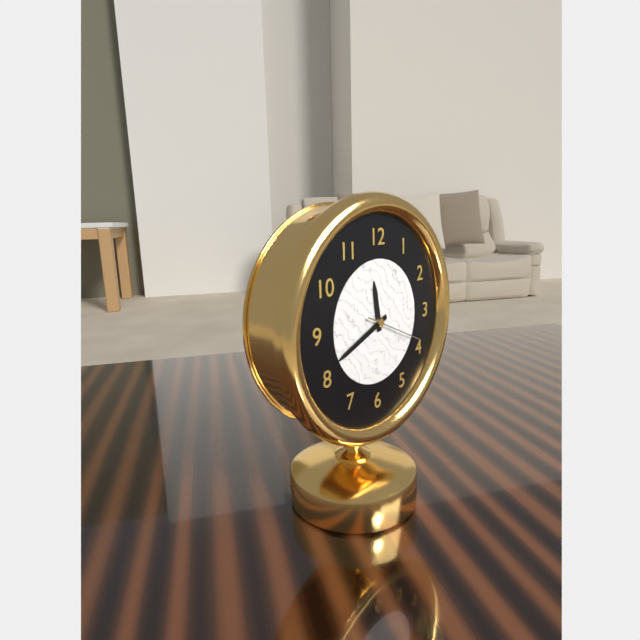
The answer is 11:41:19
